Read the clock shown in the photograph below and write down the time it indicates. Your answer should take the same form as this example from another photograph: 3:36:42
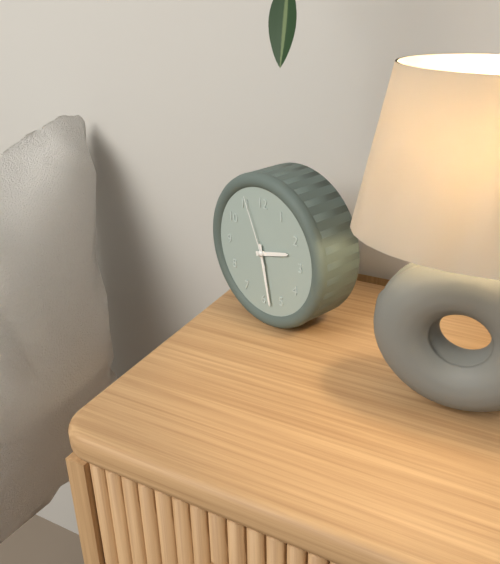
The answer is 2:28:56
